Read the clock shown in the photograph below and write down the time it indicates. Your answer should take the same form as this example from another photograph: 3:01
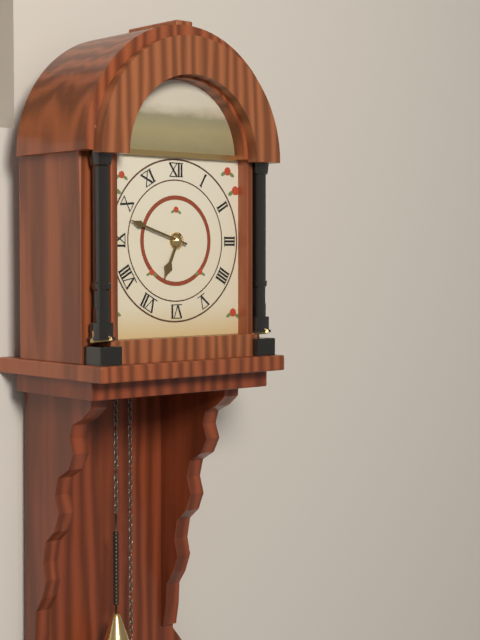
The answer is 6:48
